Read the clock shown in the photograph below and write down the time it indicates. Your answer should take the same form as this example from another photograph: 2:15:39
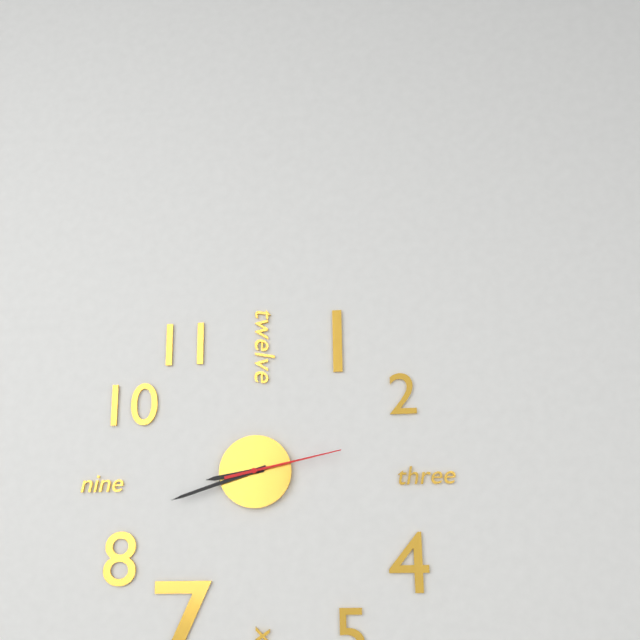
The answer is 8:42:13
